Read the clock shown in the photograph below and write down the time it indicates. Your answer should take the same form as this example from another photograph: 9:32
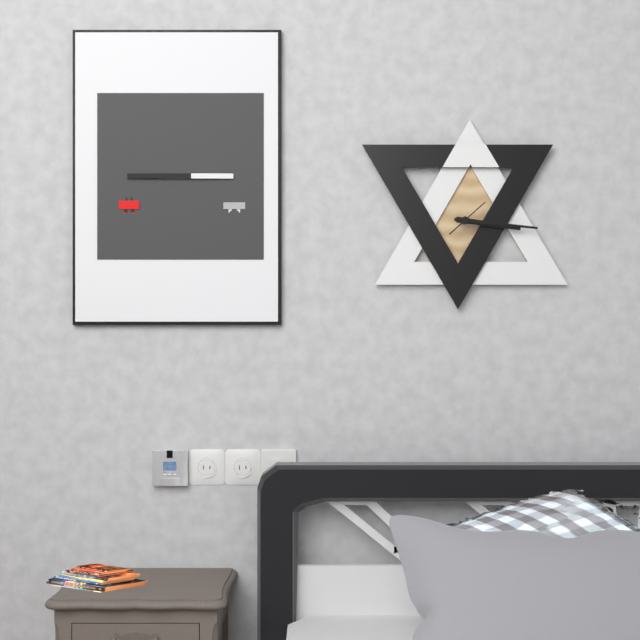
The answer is 3:16
